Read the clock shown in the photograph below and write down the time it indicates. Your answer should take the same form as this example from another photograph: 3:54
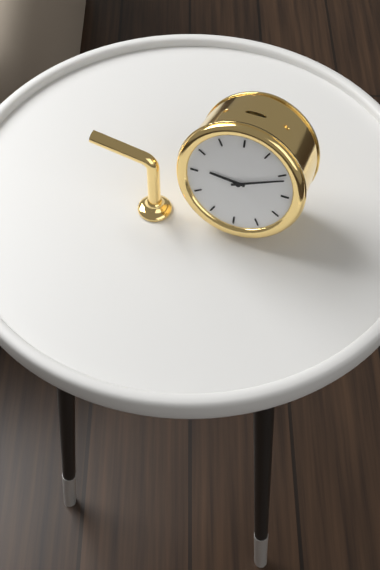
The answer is 9:11
